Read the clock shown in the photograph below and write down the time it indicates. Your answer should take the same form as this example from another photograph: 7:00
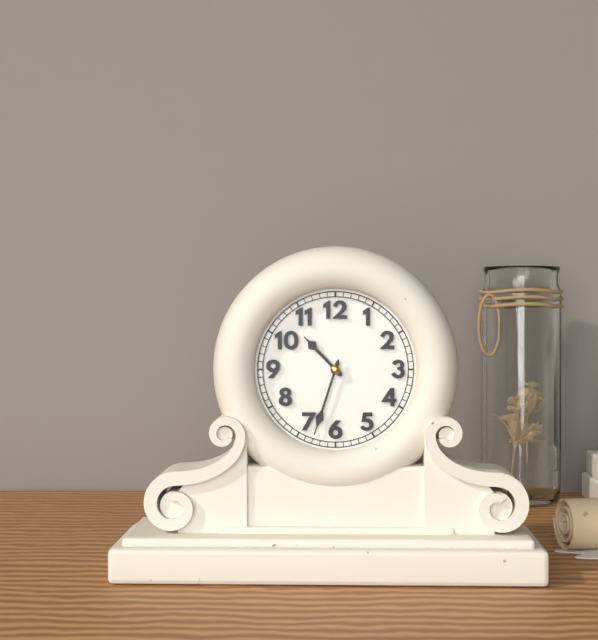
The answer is 10:33
